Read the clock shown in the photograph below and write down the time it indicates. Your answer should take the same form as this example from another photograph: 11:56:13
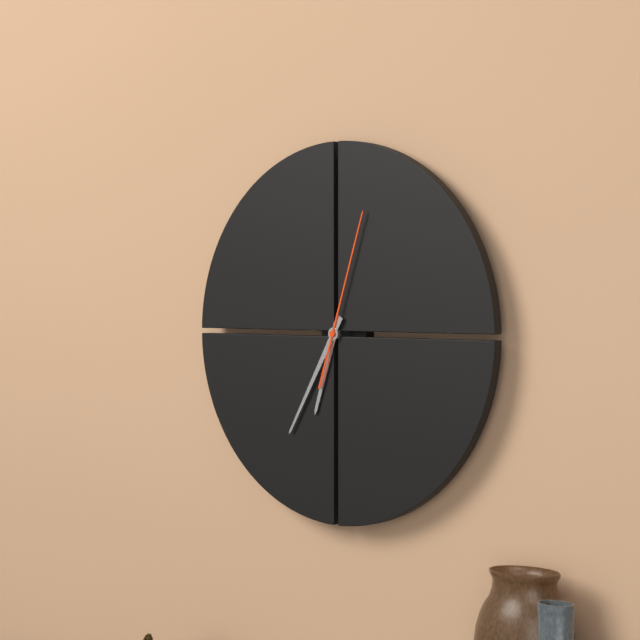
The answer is 6:35:03
